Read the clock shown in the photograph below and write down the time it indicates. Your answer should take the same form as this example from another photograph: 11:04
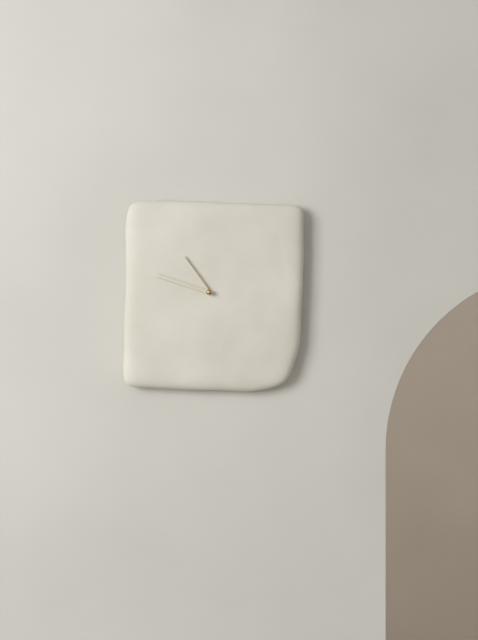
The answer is 10:48
